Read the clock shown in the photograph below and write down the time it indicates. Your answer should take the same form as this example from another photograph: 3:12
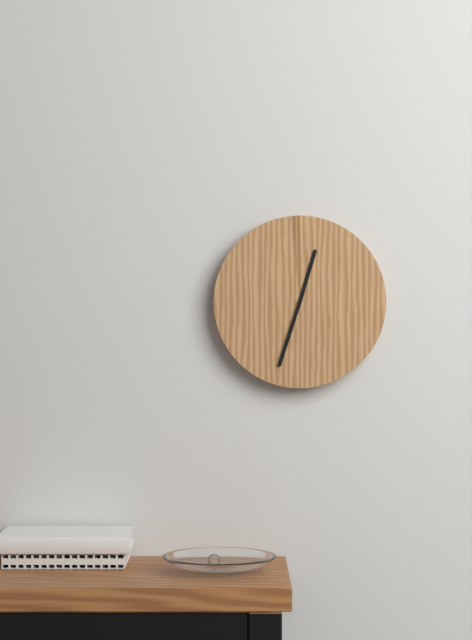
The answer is 12:33
